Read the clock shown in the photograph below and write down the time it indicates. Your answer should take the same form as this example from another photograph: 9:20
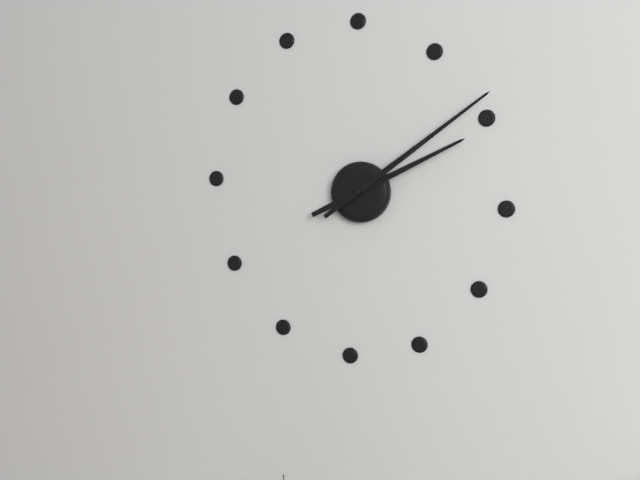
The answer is 2:09
